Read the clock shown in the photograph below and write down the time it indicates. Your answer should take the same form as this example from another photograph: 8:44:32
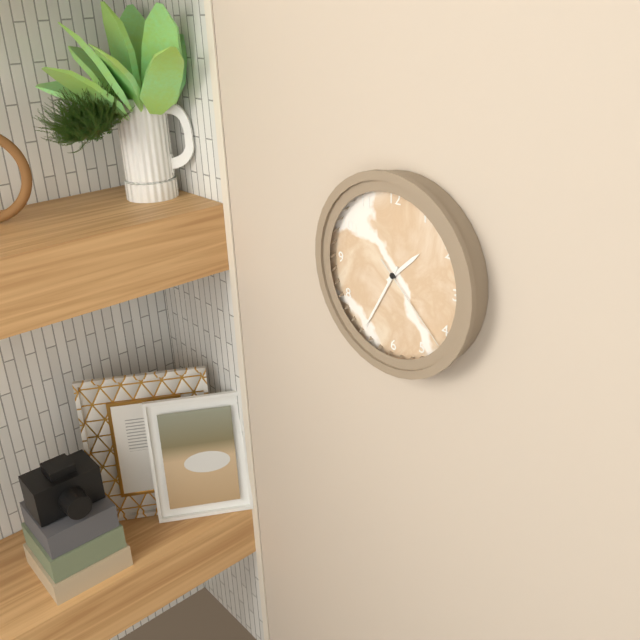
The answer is 1:35:22
